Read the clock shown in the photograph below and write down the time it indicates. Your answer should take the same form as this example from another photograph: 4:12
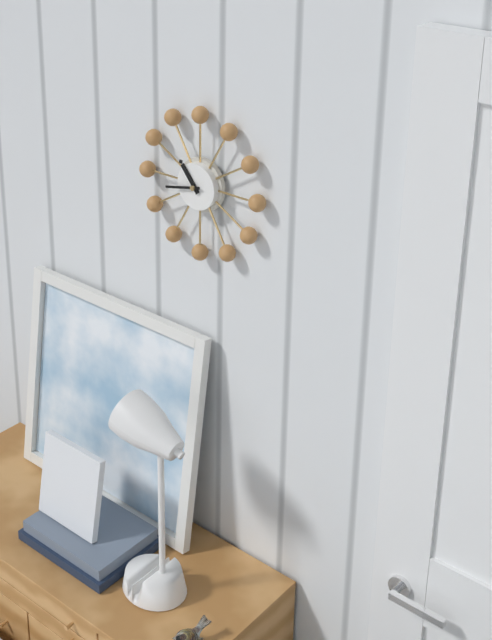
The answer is 10:43
